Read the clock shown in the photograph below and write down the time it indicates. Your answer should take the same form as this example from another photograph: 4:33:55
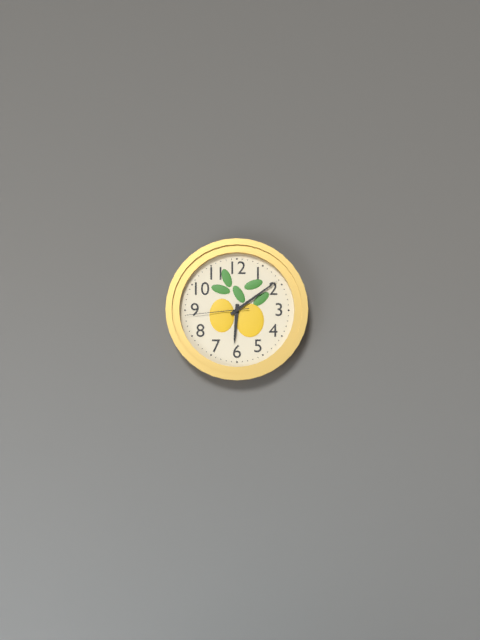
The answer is 6:09:44
